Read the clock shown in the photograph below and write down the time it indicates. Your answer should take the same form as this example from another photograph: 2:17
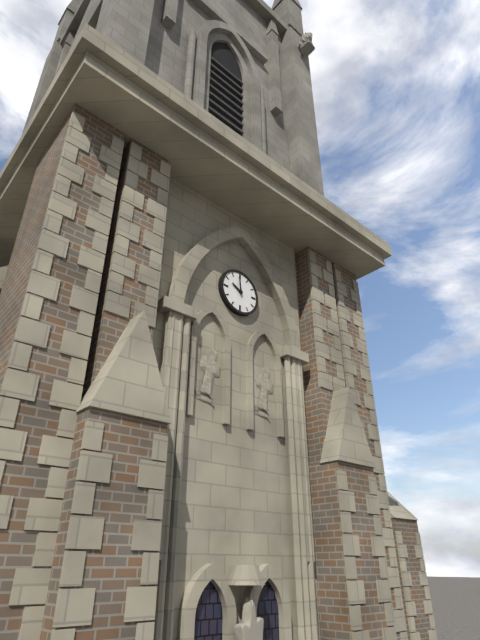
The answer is 9:59
